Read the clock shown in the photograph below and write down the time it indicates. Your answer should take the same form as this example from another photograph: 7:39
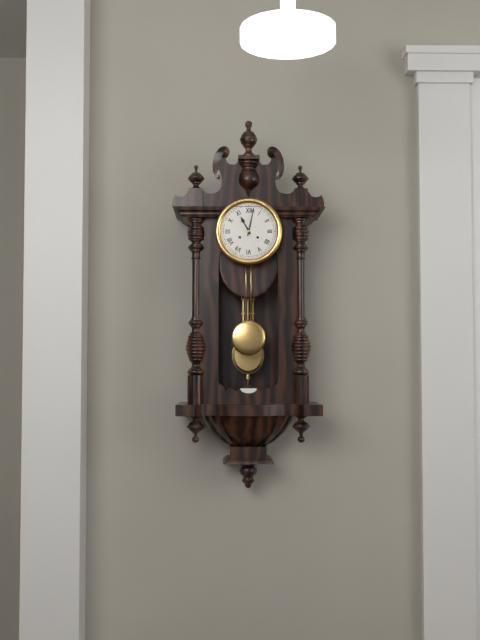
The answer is 11:02
